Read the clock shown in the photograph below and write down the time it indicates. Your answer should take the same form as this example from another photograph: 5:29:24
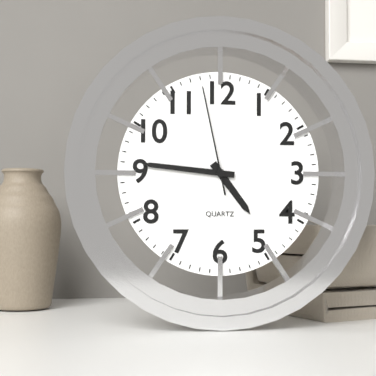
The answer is 4:46:58
